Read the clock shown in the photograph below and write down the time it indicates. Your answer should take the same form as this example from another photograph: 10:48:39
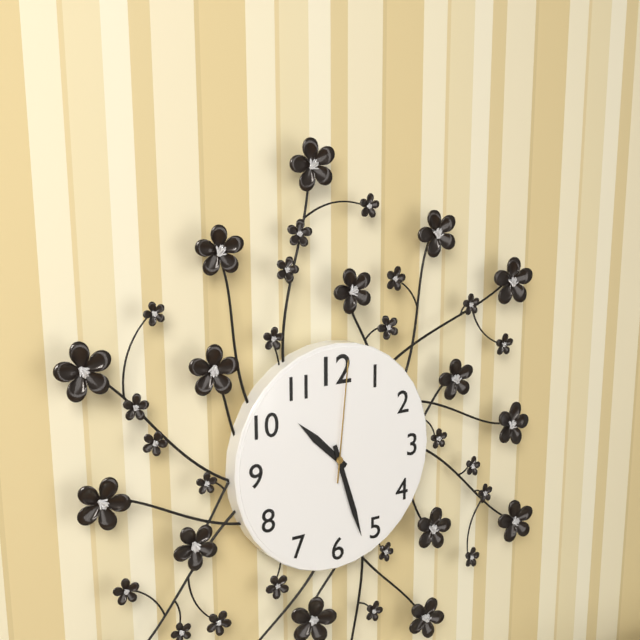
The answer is 10:27:01
